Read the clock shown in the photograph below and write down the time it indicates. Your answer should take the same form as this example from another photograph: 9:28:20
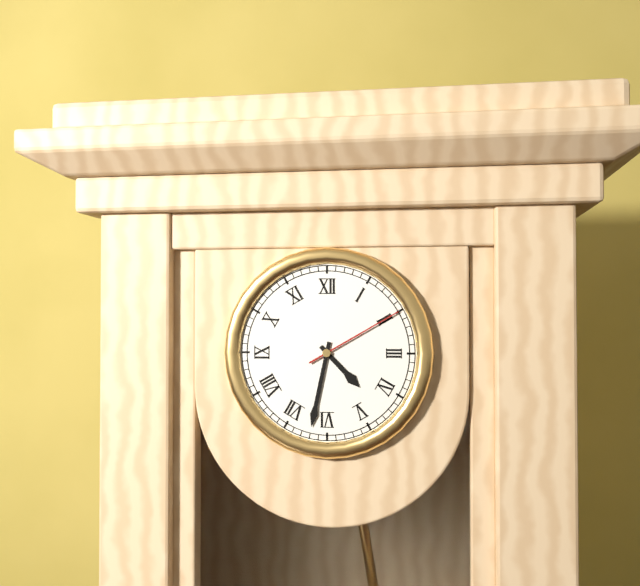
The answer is 4:32:10
